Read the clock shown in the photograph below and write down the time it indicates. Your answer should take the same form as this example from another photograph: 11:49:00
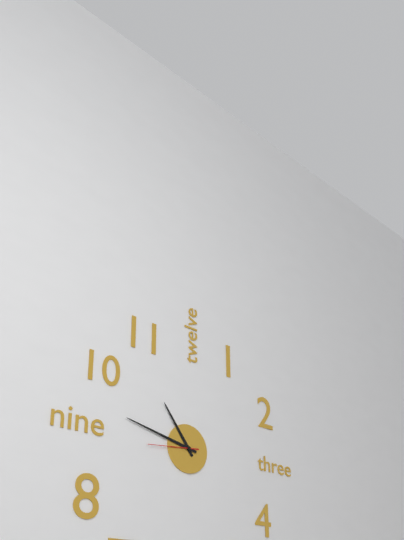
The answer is 10:47:44
